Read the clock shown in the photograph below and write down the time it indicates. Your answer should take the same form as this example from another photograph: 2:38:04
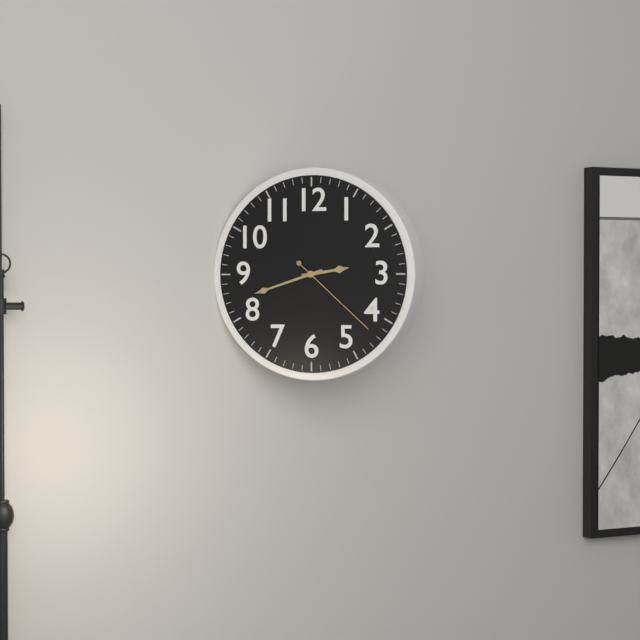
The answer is 2:42:22
